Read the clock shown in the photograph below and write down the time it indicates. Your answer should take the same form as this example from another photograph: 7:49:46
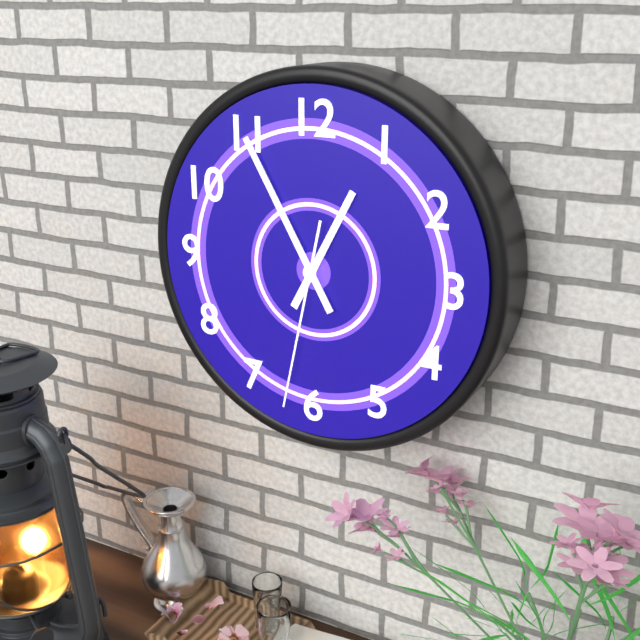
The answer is 12:55:32
